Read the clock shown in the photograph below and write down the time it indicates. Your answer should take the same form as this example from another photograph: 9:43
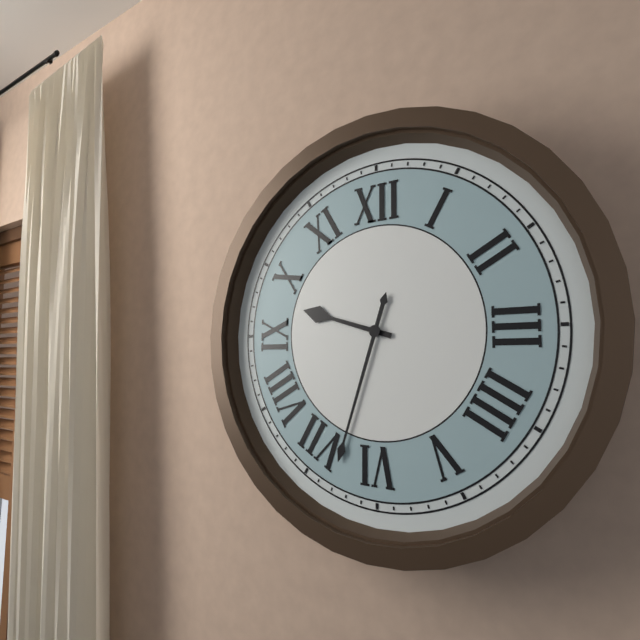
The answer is 9:33
